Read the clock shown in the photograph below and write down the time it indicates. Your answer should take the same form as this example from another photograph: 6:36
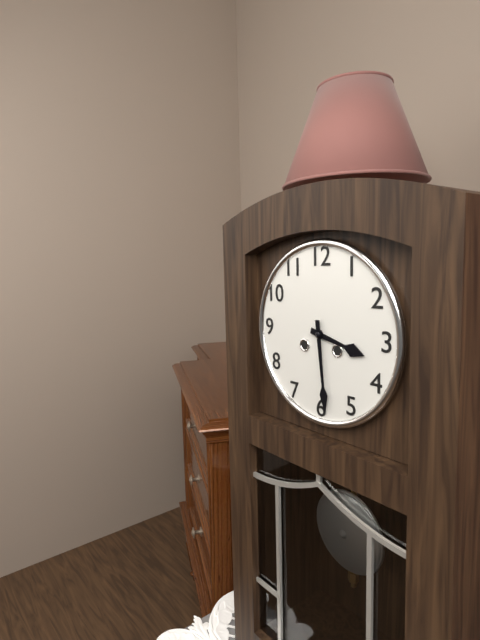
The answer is 3:29
